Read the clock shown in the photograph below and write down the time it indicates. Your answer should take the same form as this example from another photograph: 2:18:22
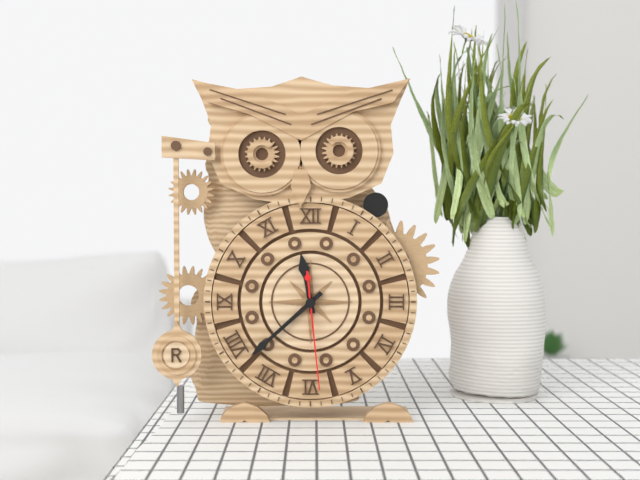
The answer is 11:38:29
